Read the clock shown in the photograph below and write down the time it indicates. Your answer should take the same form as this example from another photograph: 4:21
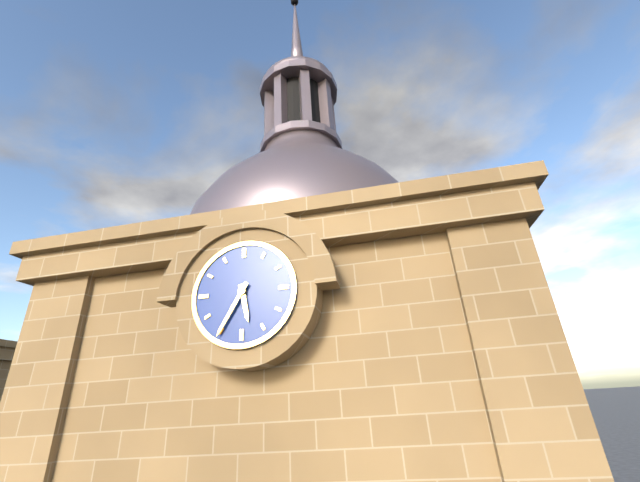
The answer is 5:35
